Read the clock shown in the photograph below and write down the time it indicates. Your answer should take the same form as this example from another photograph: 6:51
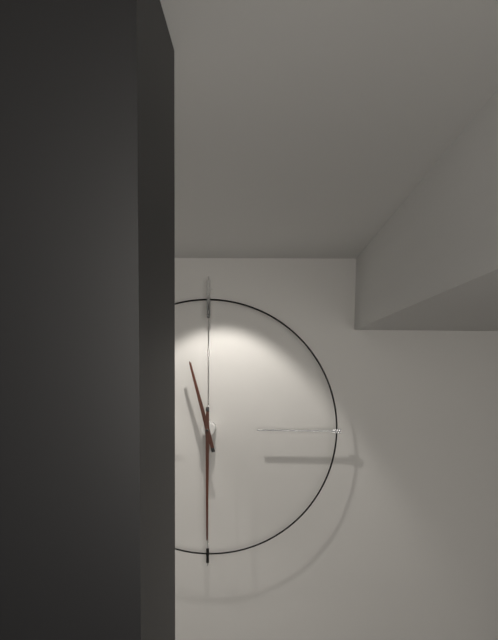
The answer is 11:30
